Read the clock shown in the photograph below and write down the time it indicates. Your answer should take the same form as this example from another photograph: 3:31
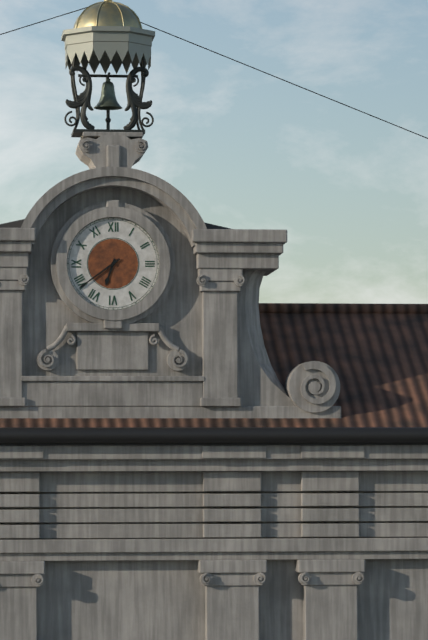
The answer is 6:39
